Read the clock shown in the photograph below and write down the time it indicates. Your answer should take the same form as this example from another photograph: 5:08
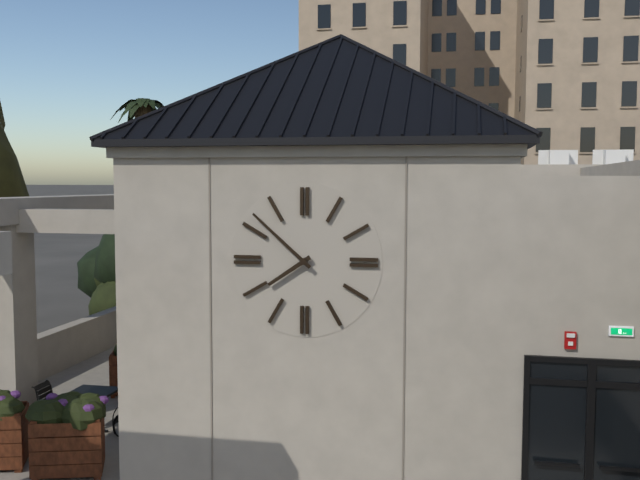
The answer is 7:52
